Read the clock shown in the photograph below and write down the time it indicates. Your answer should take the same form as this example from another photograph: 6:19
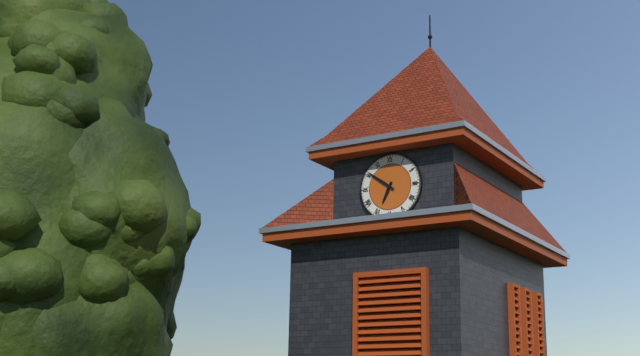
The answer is 6:51
